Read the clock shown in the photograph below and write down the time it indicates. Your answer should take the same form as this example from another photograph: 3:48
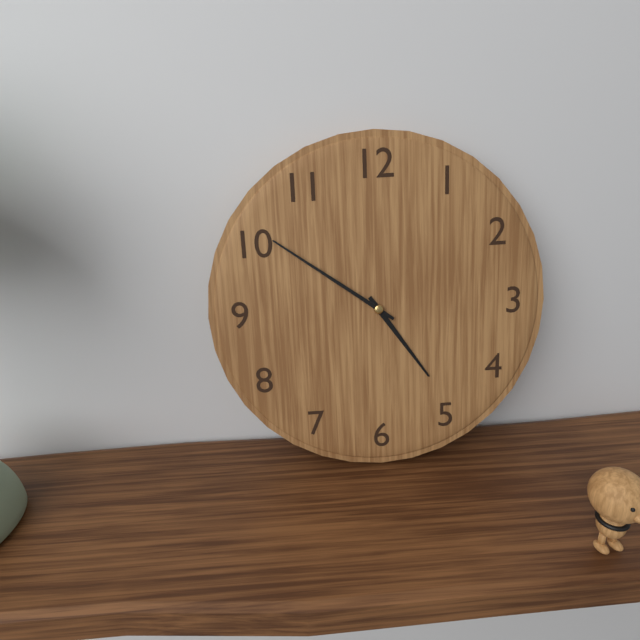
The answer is 4:51
